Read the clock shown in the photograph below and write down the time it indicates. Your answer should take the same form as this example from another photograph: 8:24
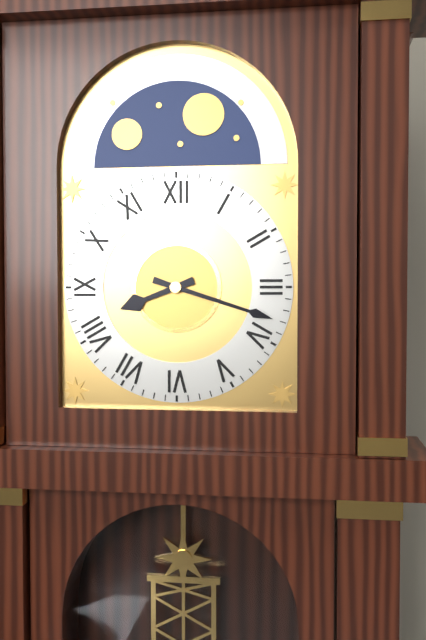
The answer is 8:18
